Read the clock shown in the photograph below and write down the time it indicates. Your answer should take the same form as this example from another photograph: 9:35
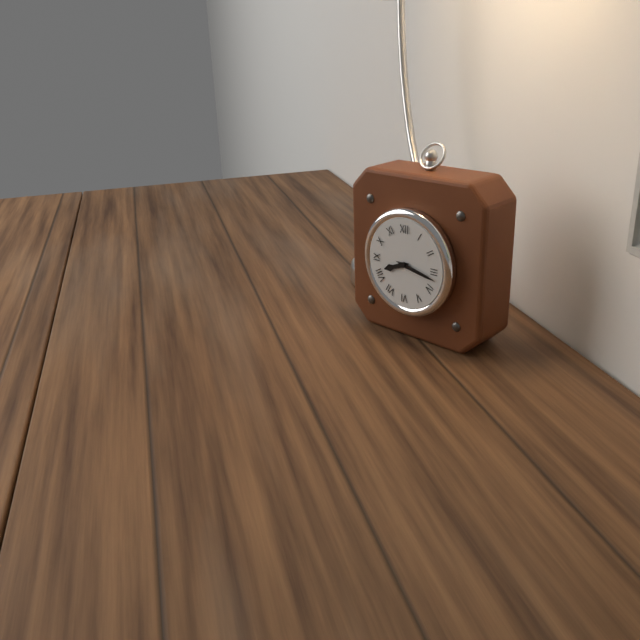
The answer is 8:17
